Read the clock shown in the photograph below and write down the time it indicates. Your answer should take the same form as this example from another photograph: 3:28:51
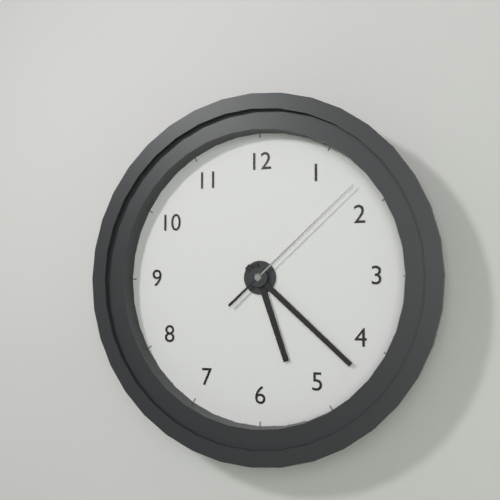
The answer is 5:22:08
